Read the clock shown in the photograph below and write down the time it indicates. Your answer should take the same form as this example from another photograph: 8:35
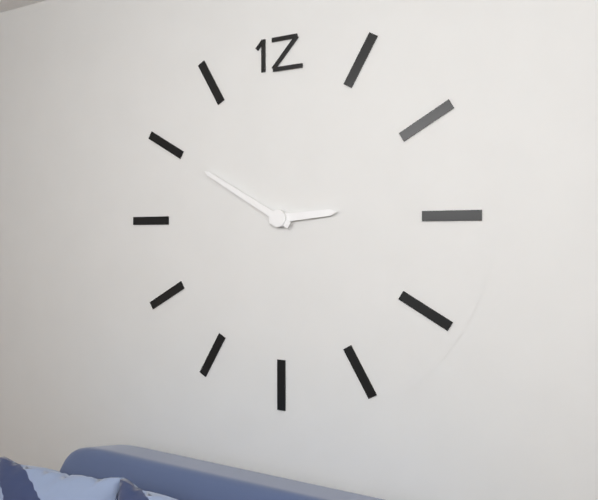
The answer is 2:50
